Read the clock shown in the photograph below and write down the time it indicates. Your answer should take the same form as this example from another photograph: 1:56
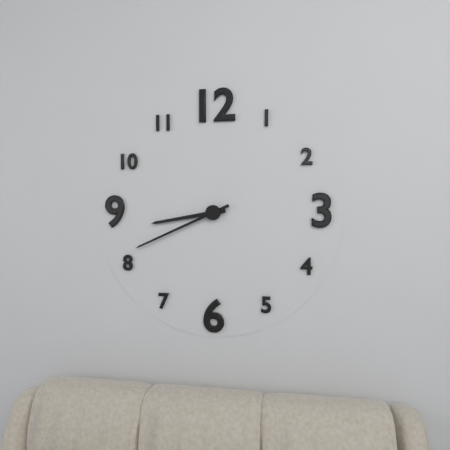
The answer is 8:41
